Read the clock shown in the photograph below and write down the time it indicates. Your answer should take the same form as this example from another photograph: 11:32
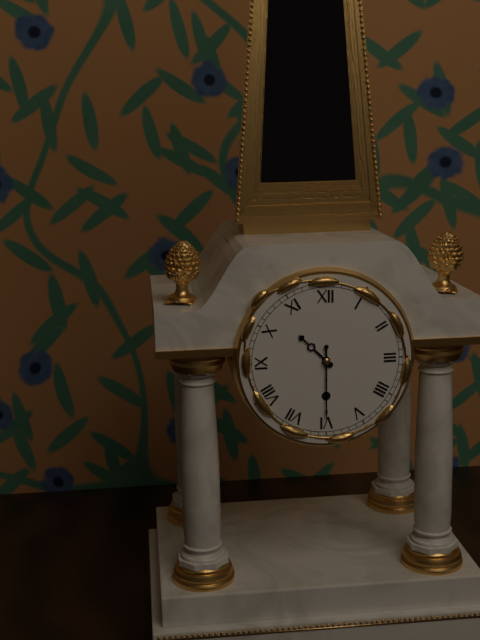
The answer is 10:30
